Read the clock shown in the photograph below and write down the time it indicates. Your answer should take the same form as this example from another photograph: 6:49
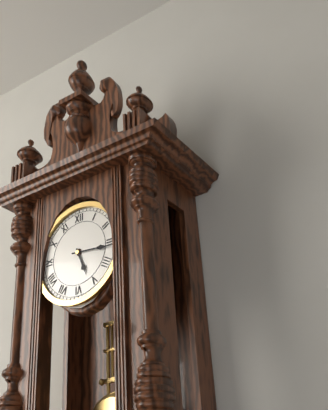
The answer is 5:16
